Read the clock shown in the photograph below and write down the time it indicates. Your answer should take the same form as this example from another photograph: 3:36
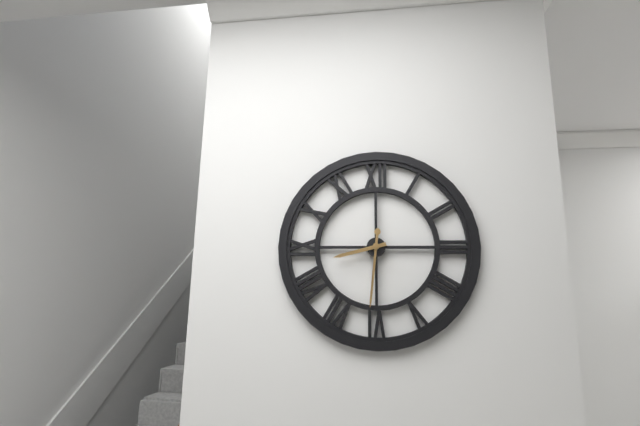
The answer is 8:31
